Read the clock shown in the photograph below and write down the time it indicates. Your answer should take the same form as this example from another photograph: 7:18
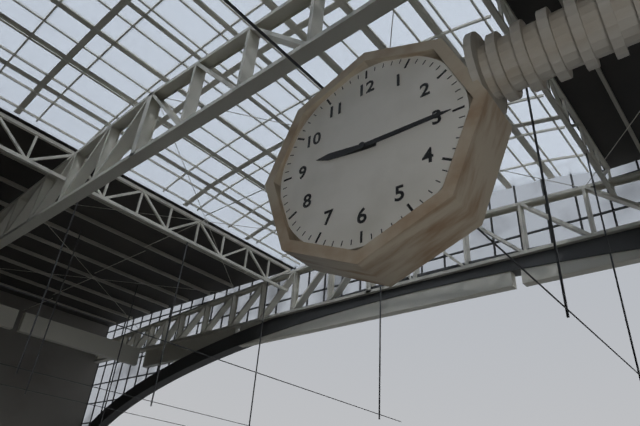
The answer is 9:15
